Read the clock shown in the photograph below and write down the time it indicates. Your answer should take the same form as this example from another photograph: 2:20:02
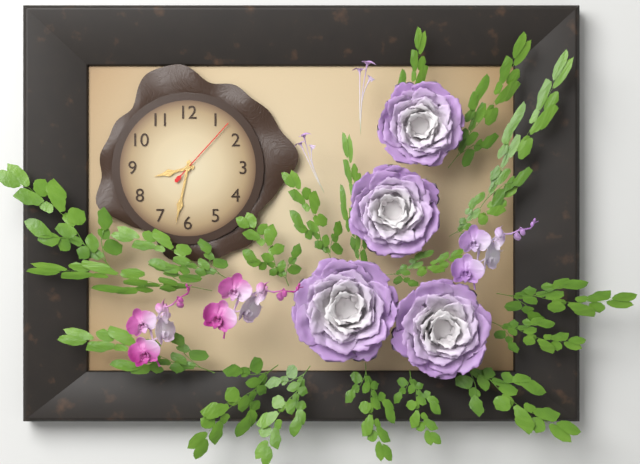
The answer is 8:32:07
